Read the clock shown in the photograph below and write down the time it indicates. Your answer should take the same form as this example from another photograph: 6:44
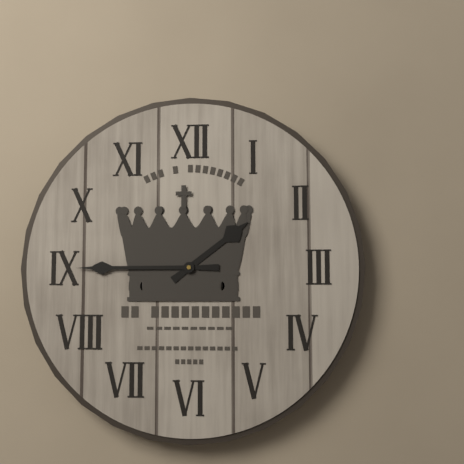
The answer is 1:45
